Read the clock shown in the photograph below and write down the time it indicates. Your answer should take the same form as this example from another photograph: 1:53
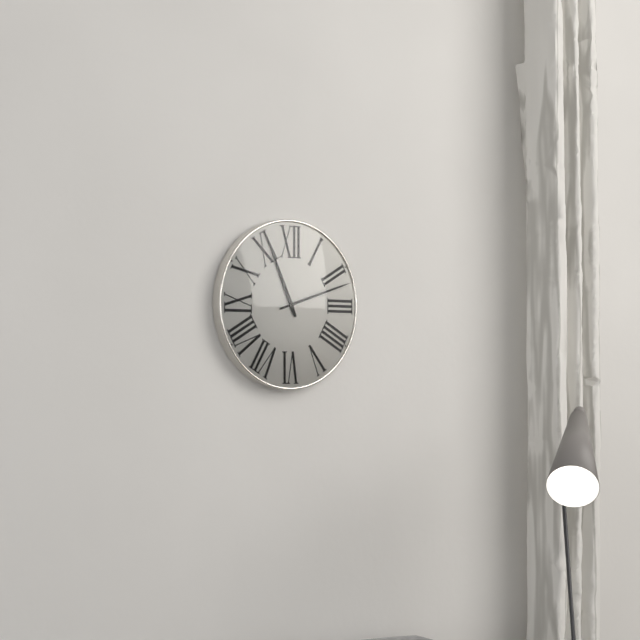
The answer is 11:12
